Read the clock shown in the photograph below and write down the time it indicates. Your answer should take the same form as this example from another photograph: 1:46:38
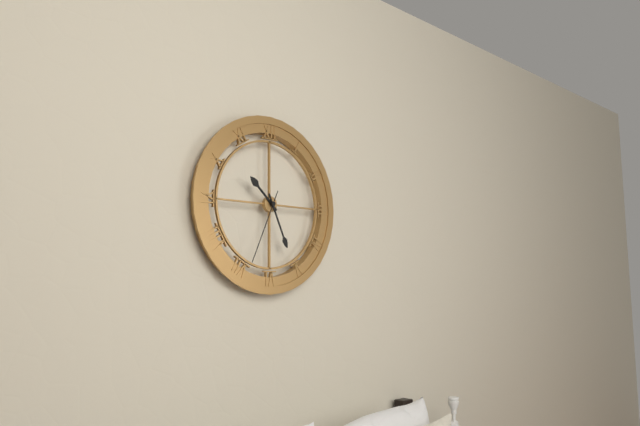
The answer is 10:26:34
